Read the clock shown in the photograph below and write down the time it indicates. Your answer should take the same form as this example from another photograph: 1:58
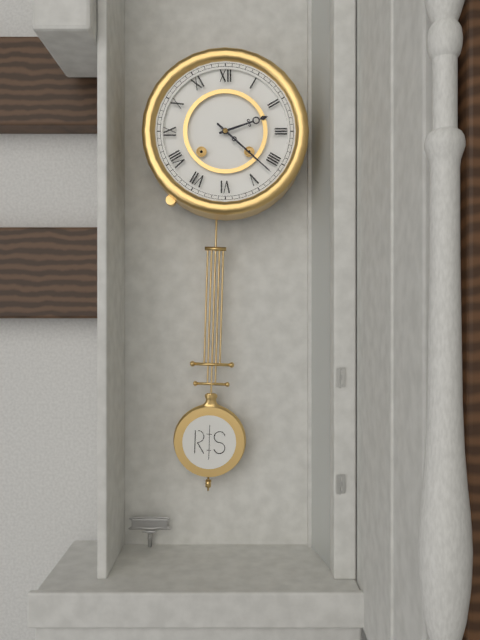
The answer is 2:22
